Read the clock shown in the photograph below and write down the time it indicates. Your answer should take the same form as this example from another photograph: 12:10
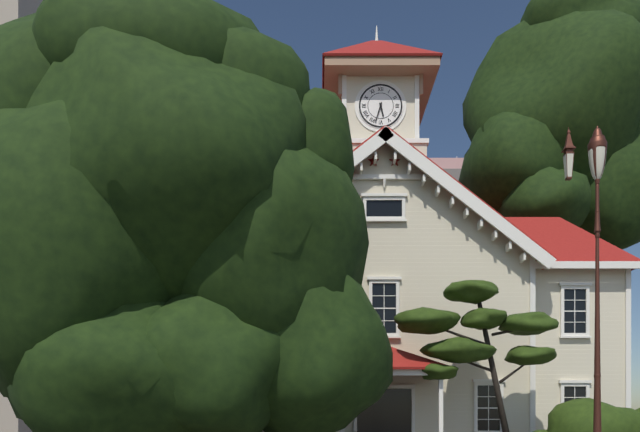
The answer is 5:33
